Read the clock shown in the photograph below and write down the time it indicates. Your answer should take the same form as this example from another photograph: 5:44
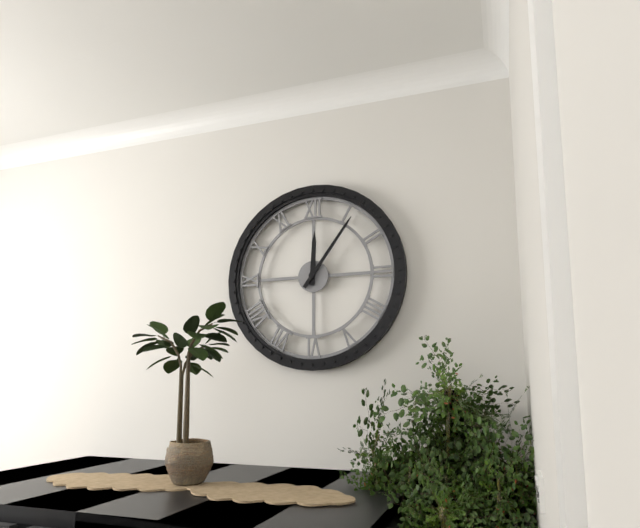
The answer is 12:06
